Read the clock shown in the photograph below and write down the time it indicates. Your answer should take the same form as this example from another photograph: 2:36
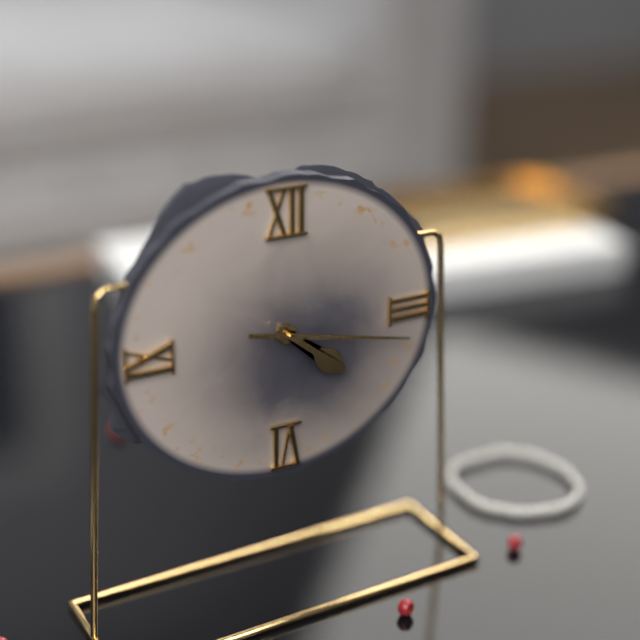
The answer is 4:17
